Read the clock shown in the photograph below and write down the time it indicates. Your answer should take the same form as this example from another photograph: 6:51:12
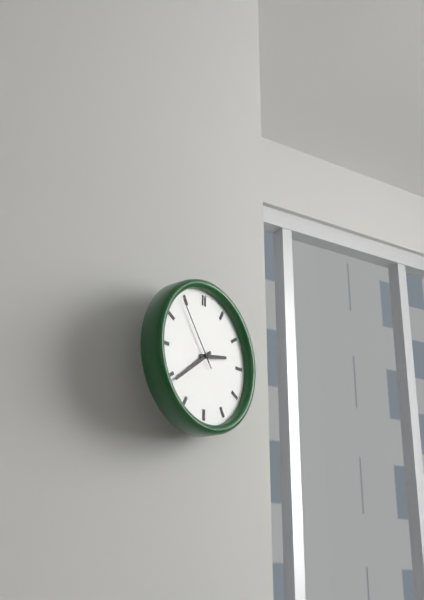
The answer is 2:39:54
